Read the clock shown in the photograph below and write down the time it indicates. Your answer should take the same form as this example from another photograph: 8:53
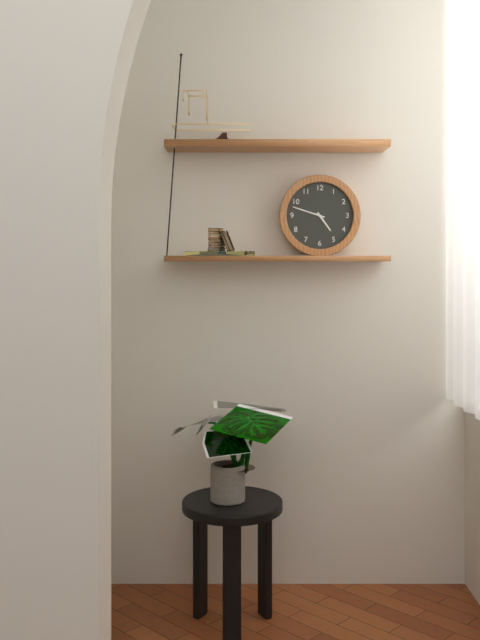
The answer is 4:48
